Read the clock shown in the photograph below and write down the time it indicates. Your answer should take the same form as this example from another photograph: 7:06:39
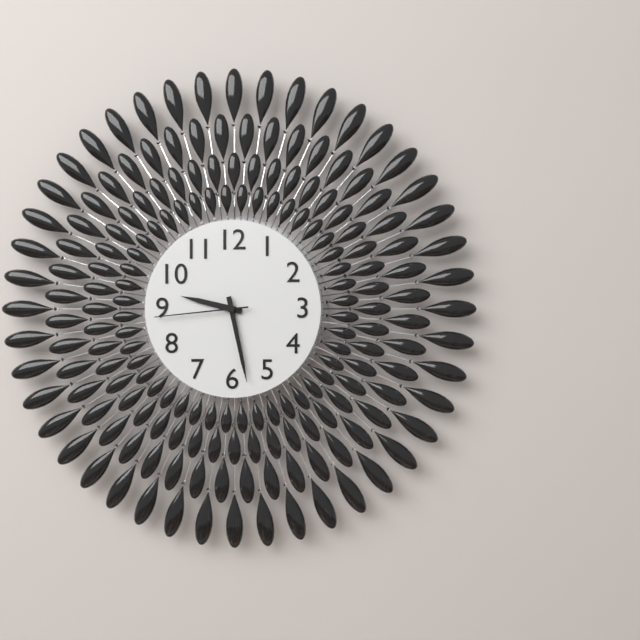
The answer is 9:28:44
